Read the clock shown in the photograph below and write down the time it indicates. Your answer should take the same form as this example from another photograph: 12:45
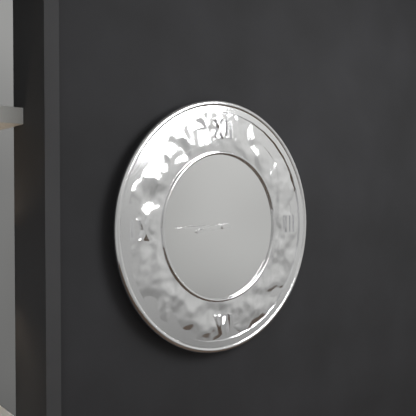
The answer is 8:45
